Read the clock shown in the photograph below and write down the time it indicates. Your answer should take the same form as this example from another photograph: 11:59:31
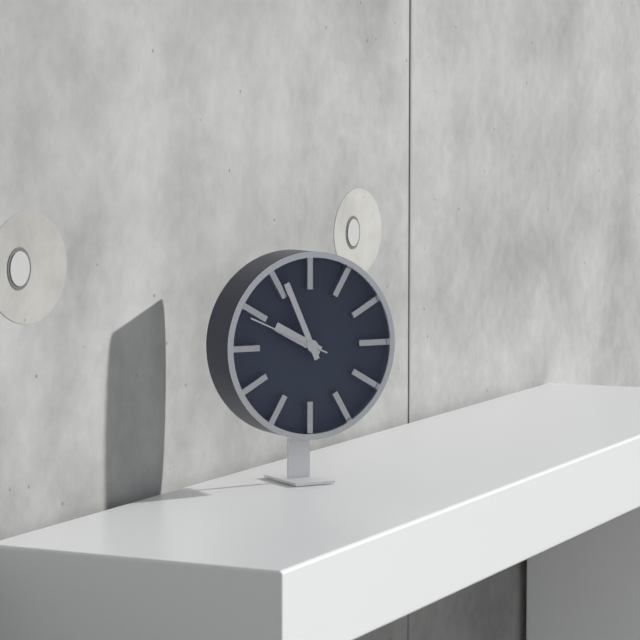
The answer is 9:56:49
